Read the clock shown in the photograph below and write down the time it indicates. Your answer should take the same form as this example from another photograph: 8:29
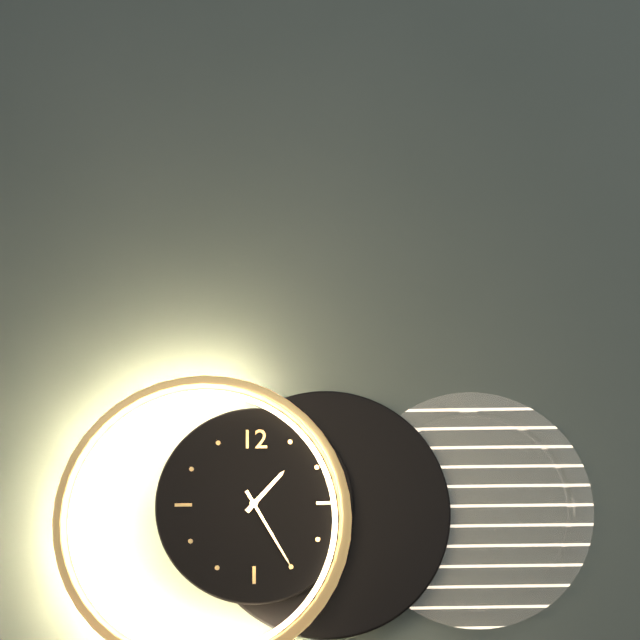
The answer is 1:25
